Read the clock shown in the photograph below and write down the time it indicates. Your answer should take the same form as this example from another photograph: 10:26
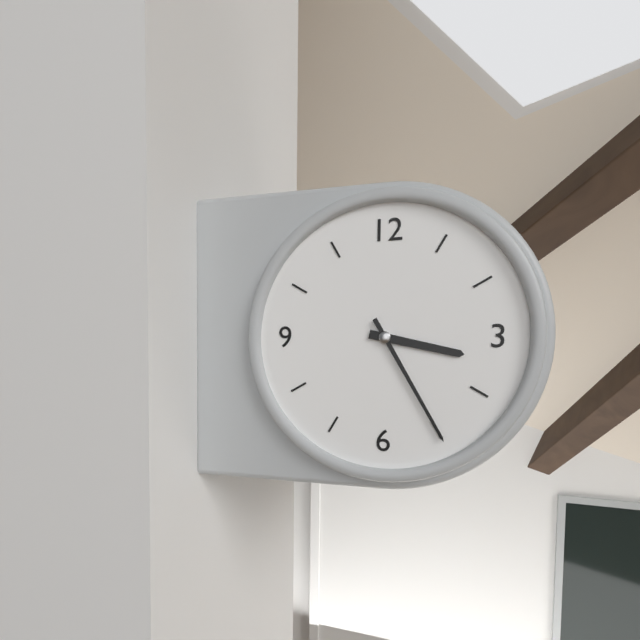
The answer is 3:25
